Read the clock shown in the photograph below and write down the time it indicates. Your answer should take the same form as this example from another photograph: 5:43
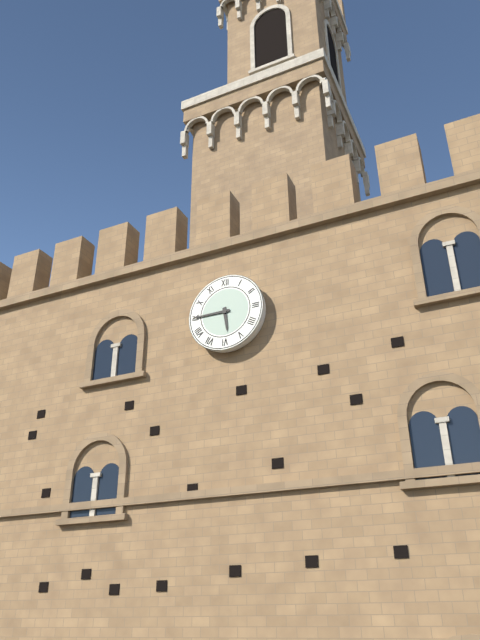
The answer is 5:45
